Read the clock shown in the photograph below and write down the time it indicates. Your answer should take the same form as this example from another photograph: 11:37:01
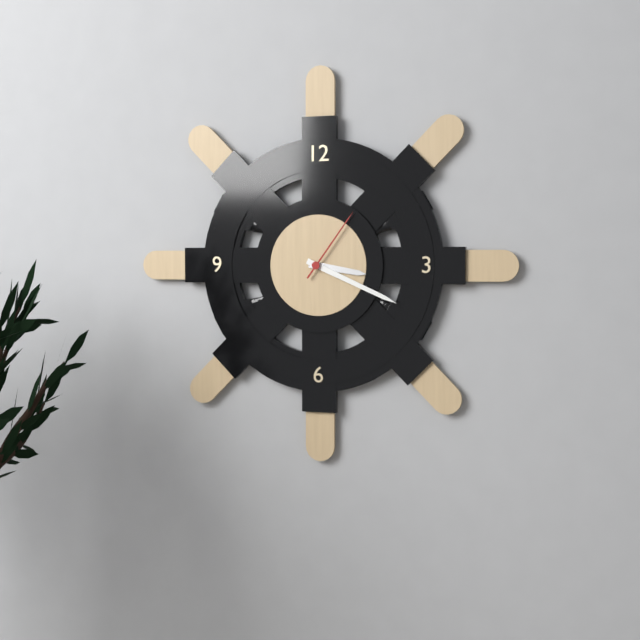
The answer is 3:19:06
